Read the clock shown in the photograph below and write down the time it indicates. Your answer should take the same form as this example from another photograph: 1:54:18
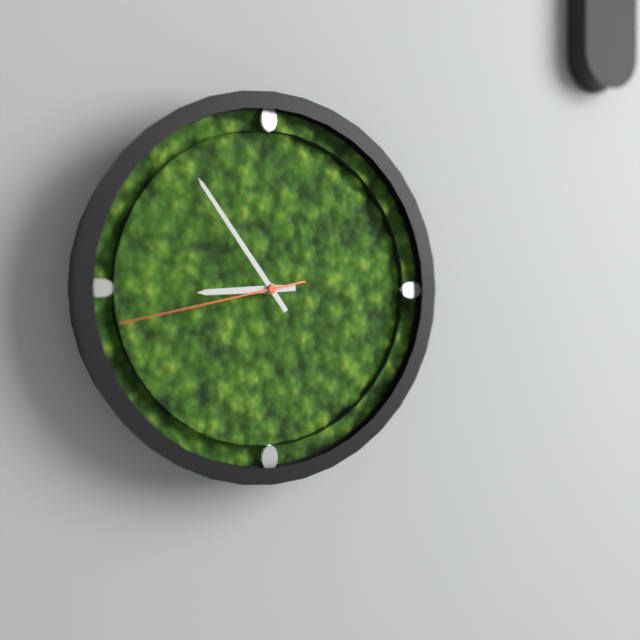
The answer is 8:54:43
